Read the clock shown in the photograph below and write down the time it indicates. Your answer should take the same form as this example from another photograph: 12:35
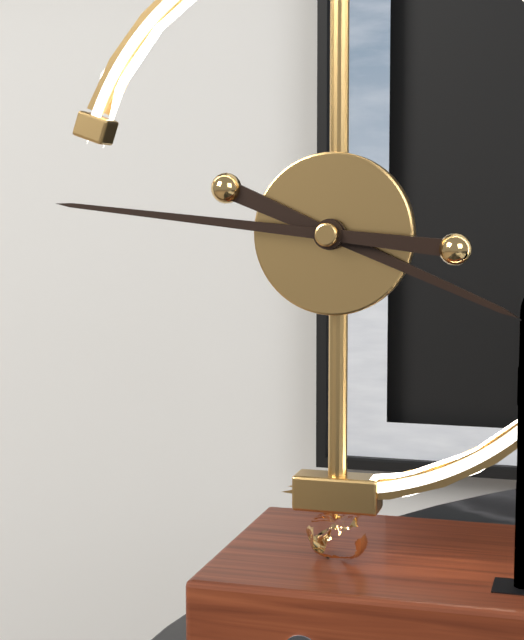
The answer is 3:46
